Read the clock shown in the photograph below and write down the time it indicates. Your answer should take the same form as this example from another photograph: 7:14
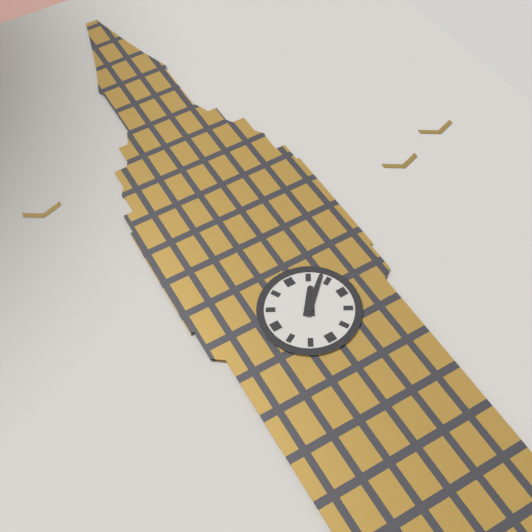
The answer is 1:08
